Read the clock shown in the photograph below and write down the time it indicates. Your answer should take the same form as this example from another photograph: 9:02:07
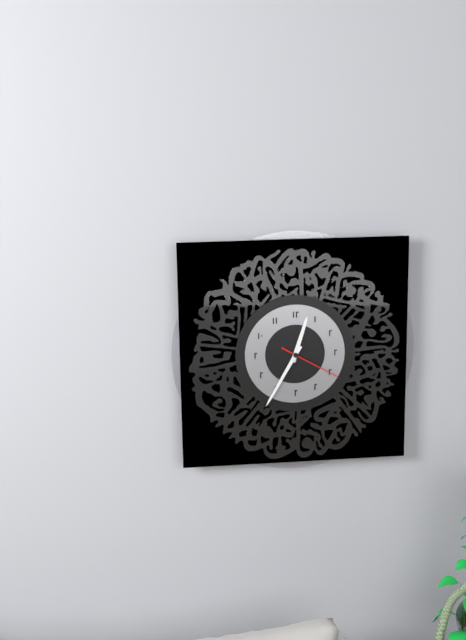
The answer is 12:35:20
